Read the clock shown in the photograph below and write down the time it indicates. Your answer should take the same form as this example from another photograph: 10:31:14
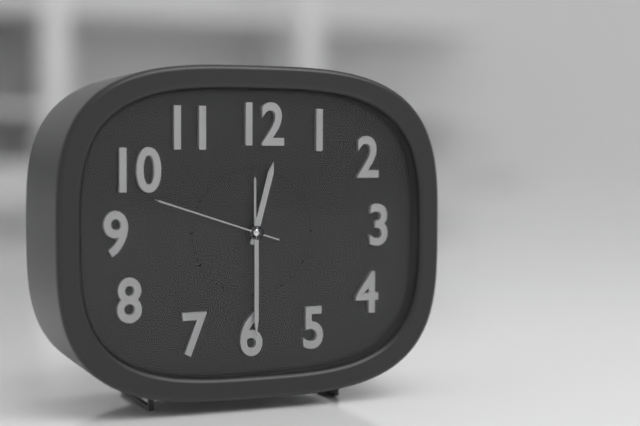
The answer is 12:30:48
